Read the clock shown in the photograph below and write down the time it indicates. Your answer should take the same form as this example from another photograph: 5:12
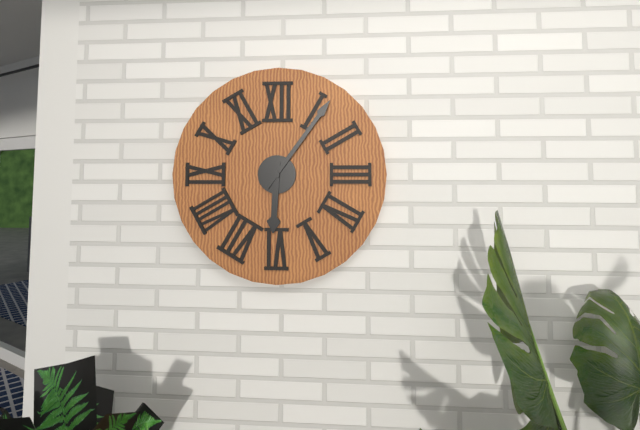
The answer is 6:06
